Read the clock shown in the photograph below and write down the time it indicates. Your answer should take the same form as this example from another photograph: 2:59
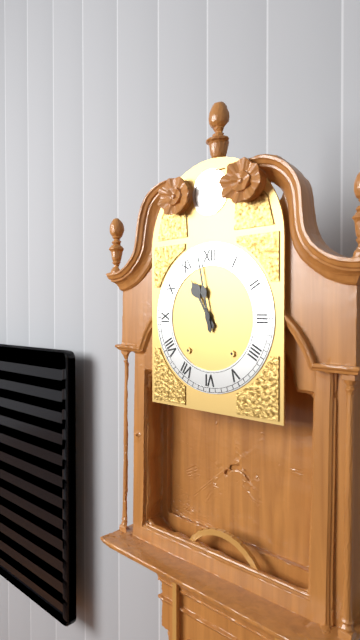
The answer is 10:58
